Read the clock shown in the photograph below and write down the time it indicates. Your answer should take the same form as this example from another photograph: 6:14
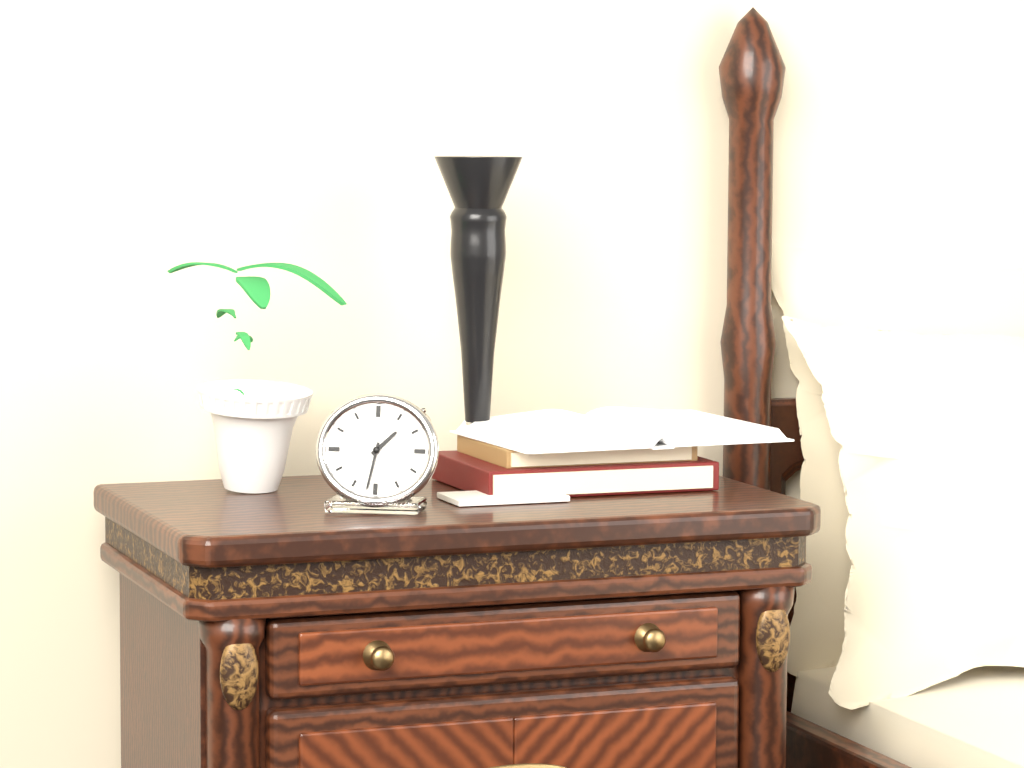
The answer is 1:32
